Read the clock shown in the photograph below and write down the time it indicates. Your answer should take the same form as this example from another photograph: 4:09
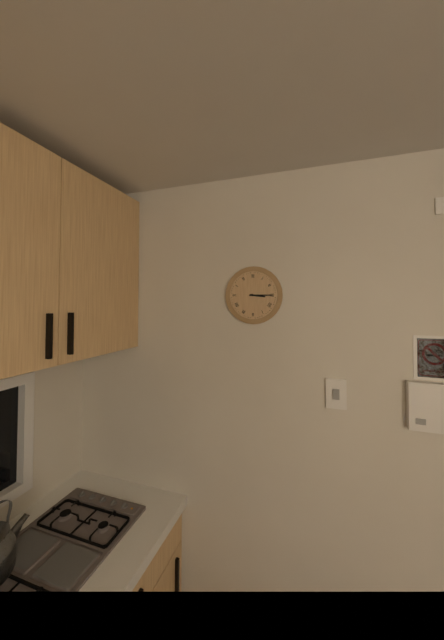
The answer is 3:15
